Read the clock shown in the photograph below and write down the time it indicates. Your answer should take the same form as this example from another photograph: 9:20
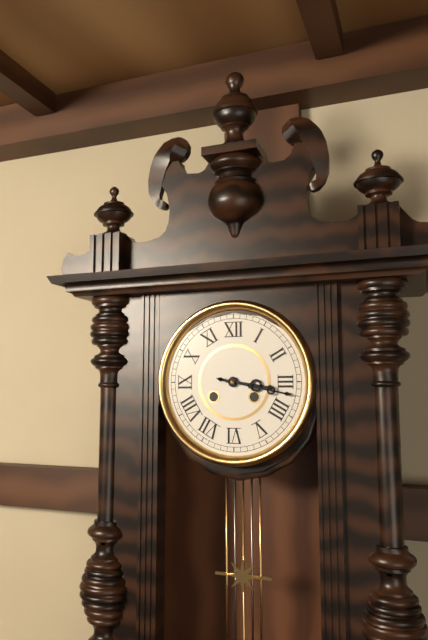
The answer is 3:17
